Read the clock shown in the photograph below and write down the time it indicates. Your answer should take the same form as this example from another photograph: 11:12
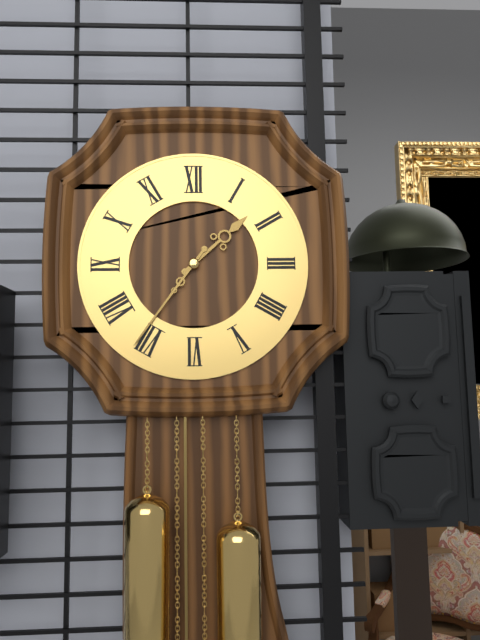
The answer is 1:36
